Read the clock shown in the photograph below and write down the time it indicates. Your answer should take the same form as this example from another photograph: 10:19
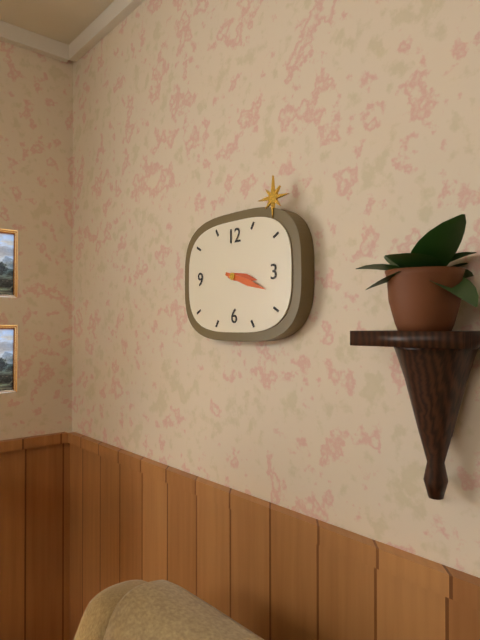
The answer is 3:18
